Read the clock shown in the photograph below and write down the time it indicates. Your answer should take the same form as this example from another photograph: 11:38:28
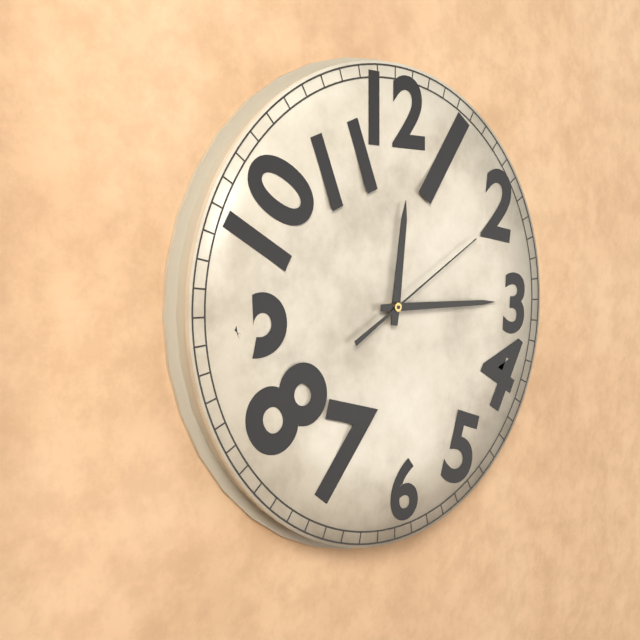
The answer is 12:15:10
